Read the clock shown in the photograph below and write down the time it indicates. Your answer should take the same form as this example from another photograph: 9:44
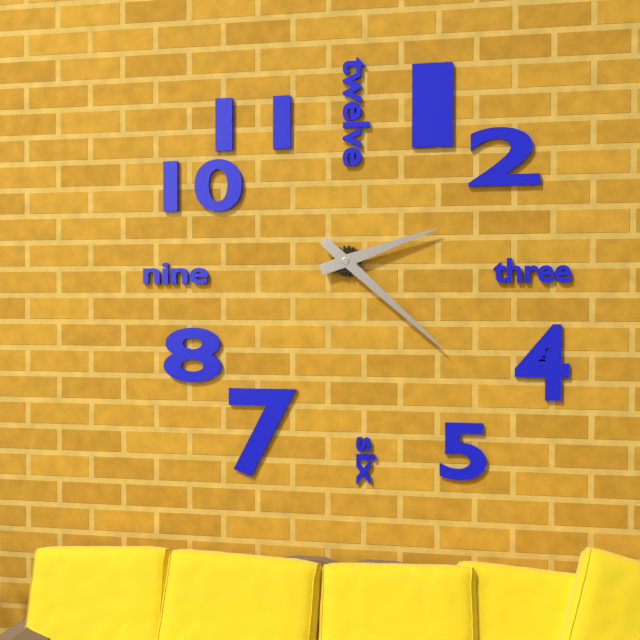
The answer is 2:22
